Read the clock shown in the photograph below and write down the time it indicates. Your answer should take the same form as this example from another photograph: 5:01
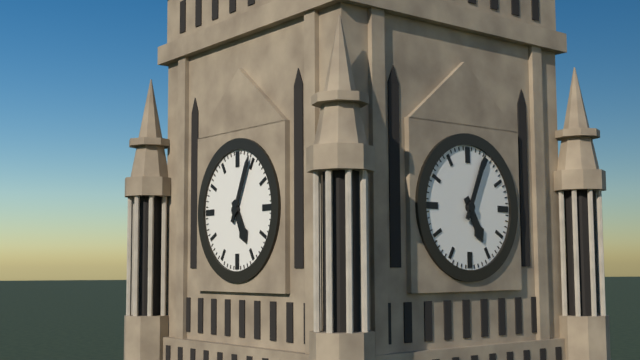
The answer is 5:04
